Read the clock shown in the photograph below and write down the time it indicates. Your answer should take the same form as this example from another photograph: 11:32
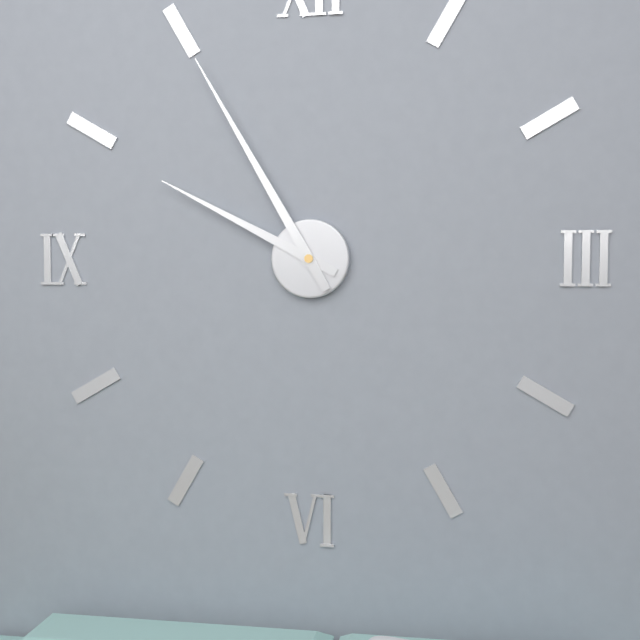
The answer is 9:55
